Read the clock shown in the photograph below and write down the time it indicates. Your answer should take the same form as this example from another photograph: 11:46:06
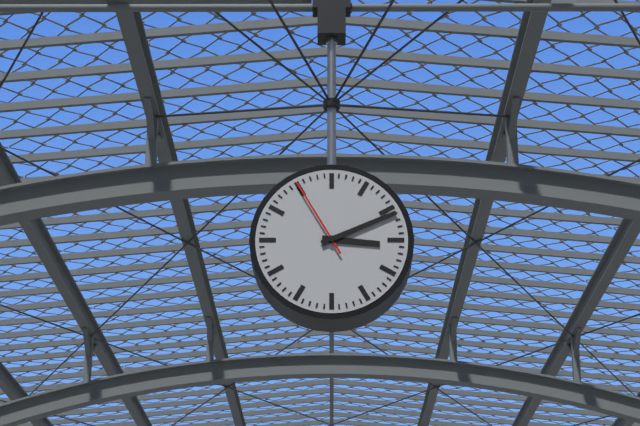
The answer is 3:11:55
